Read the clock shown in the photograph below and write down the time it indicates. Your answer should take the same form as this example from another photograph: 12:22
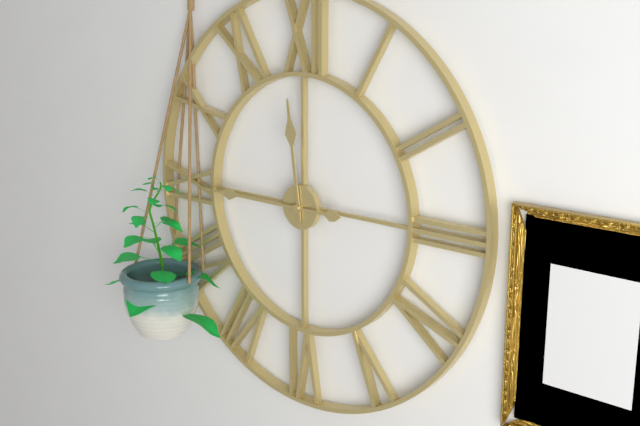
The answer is 11:45
